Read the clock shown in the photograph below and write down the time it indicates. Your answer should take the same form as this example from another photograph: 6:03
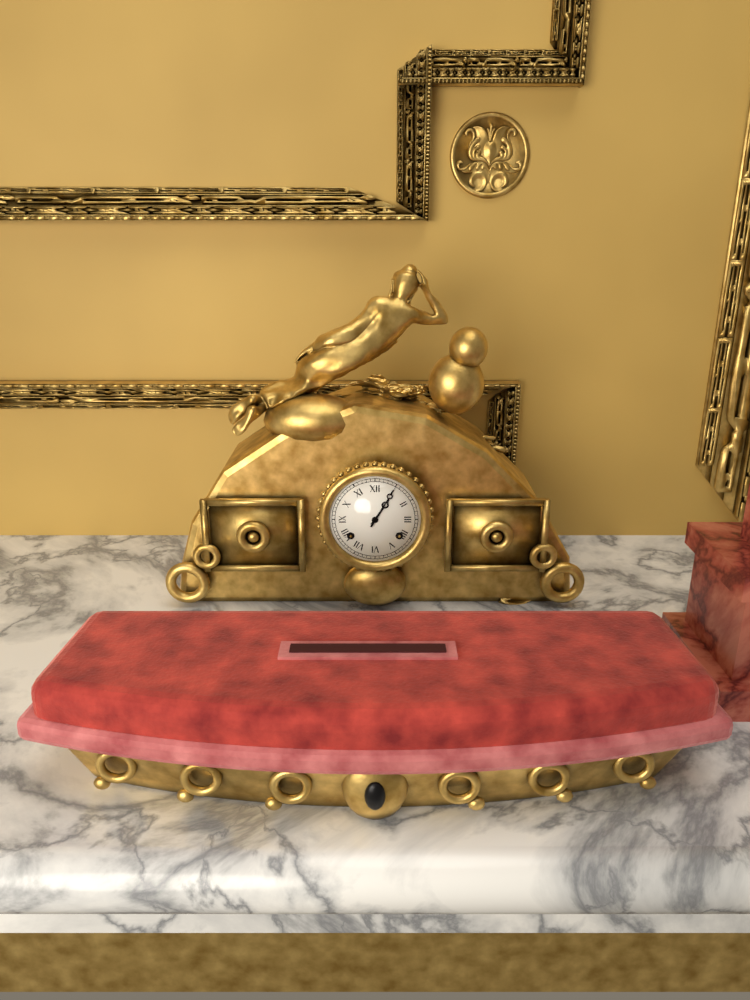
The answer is 1:05
